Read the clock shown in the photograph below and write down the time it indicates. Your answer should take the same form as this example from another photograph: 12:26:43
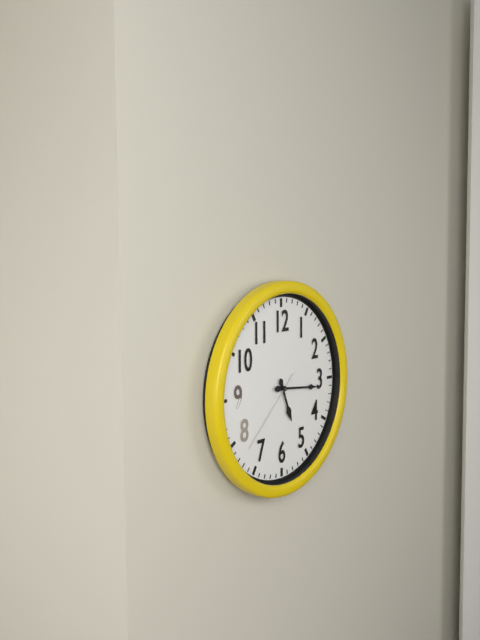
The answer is 5:16:38
